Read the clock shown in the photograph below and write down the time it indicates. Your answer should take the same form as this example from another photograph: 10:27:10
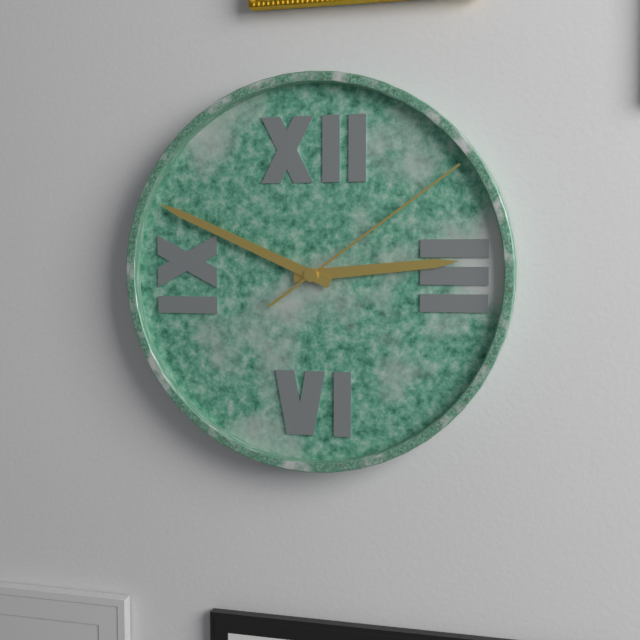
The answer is 2:49:09
